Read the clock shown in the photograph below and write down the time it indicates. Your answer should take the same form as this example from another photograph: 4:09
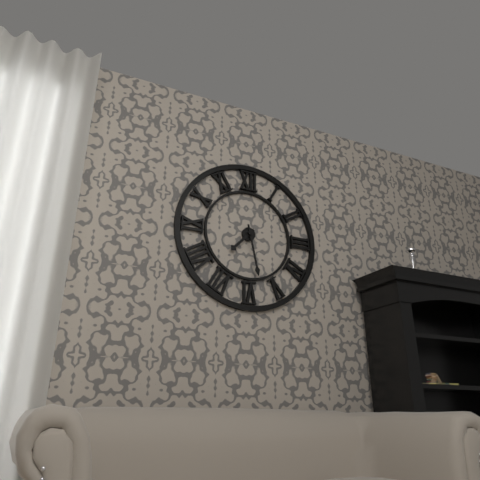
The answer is 7:28
